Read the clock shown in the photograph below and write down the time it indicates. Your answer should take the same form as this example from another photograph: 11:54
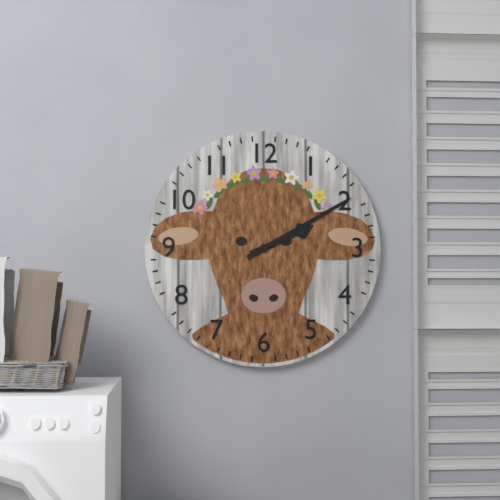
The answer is 2:10
